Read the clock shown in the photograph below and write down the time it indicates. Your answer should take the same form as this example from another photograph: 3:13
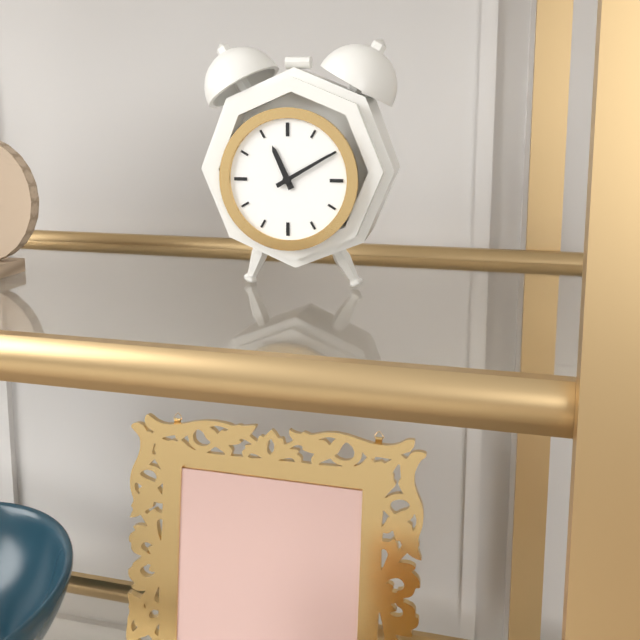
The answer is 11:10
